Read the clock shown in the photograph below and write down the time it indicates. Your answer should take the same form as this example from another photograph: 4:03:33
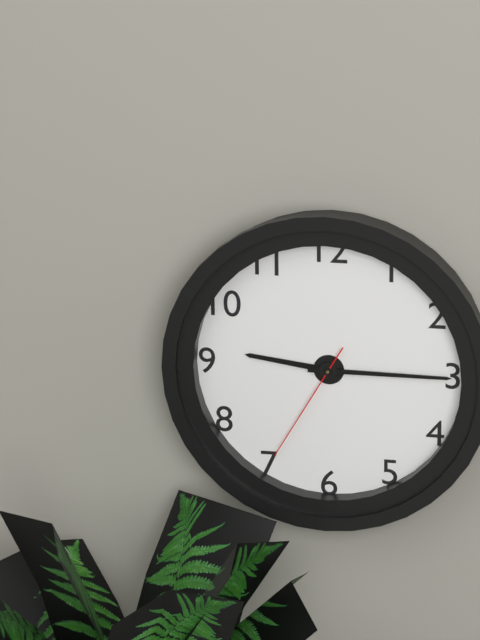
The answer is 9:15:35
